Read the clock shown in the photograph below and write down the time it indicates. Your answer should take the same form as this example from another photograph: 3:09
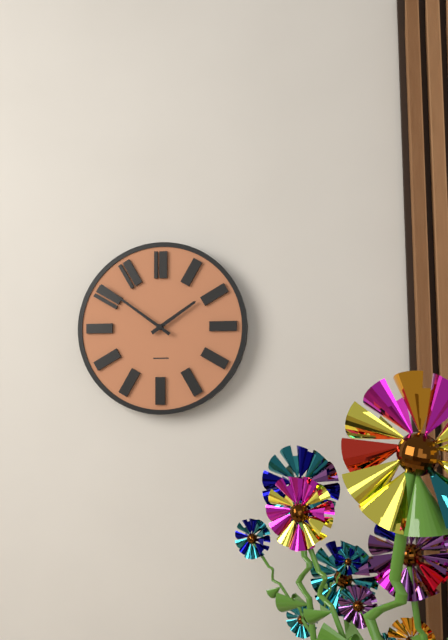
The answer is 1:51
